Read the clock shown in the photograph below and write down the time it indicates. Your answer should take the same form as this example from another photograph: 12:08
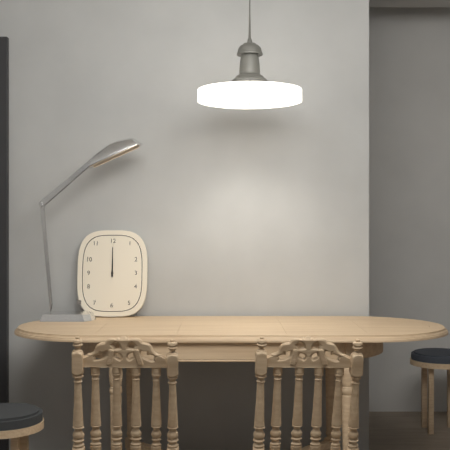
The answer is 12:00
